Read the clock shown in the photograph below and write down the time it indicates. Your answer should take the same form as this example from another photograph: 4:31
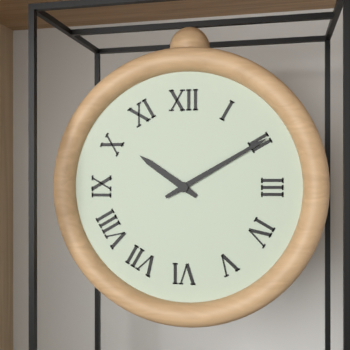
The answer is 10:10
